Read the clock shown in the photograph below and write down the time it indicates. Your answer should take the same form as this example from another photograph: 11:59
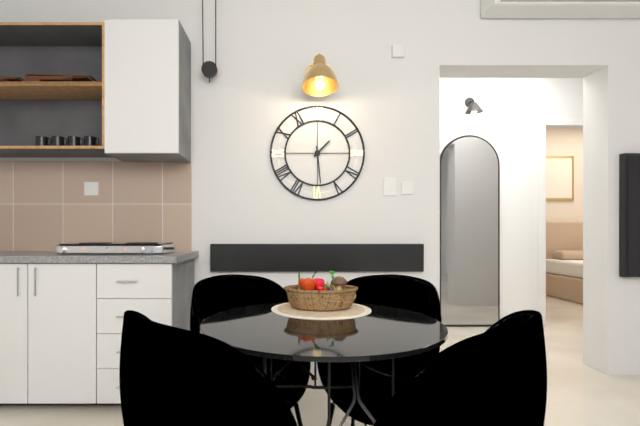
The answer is 1:29
